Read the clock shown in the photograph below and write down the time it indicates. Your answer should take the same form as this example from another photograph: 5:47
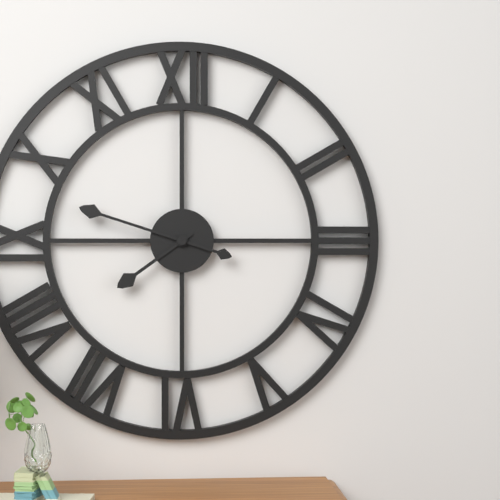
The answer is 7:48
